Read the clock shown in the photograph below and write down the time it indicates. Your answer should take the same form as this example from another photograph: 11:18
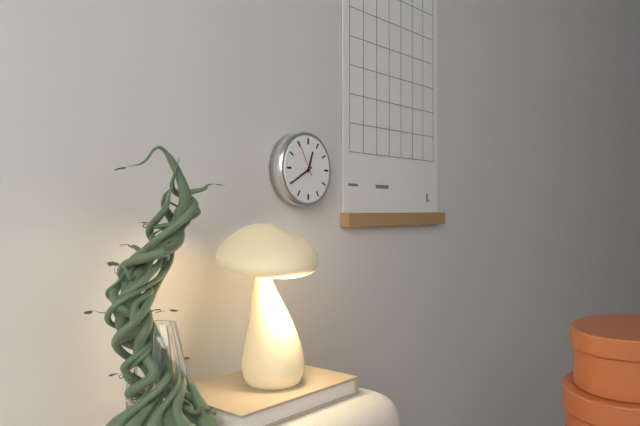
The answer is 12:40
